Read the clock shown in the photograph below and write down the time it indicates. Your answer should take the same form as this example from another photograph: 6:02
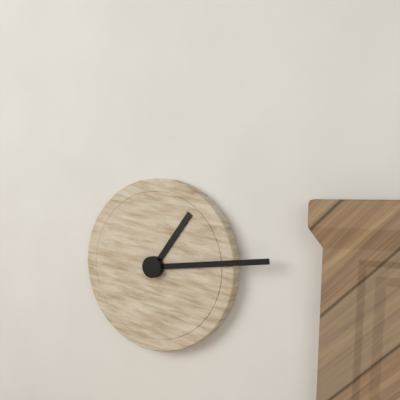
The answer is 1:14
